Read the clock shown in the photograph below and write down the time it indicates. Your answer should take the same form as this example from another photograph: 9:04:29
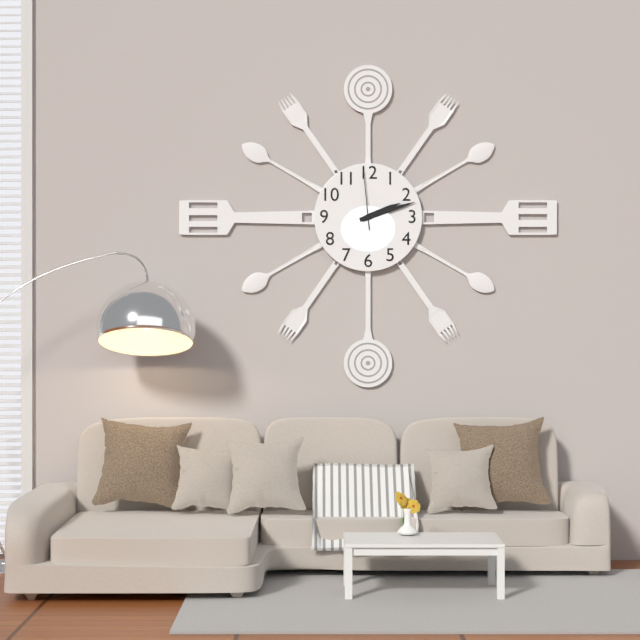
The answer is 2:12:59
